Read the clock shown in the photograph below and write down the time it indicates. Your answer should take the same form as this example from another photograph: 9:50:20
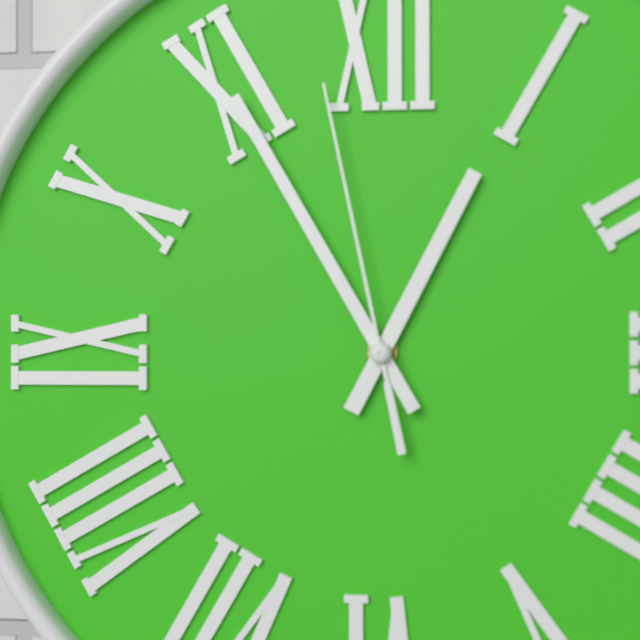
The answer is 12:55:58
